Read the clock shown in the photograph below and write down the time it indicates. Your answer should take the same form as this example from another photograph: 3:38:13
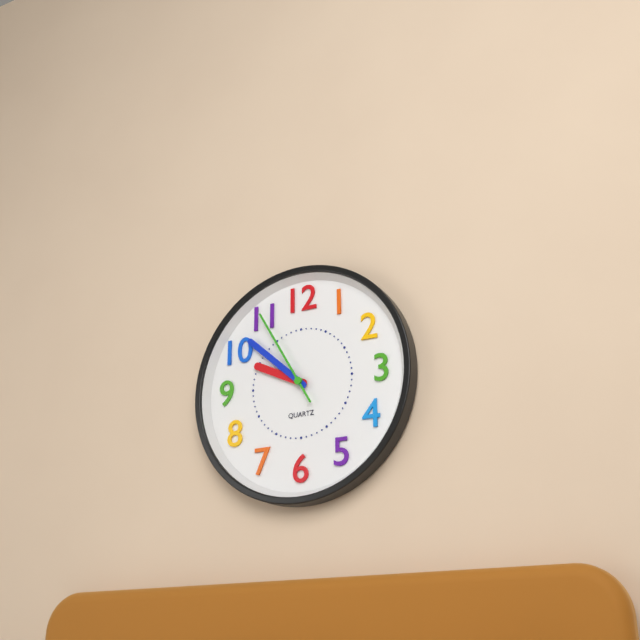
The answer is 9:52:55
